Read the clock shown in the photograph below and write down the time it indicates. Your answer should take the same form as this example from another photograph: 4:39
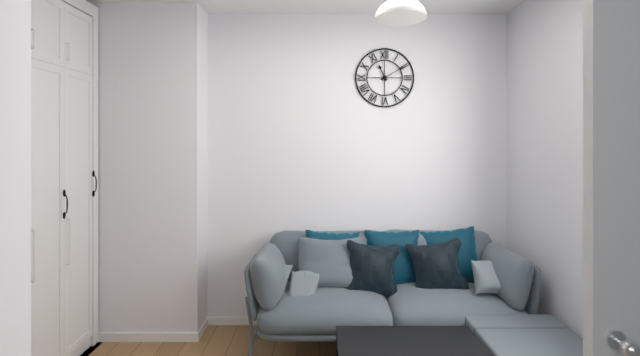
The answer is 11:10
